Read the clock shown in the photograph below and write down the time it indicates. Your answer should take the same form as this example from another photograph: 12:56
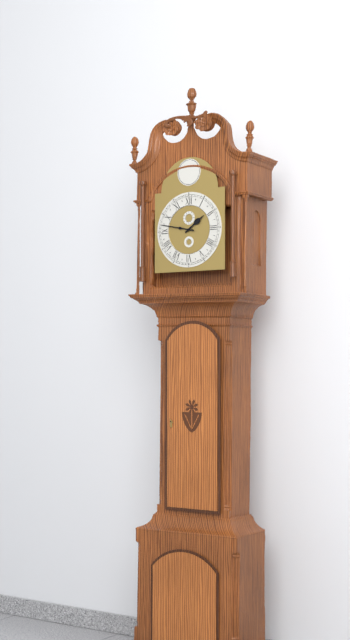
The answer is 1:47
